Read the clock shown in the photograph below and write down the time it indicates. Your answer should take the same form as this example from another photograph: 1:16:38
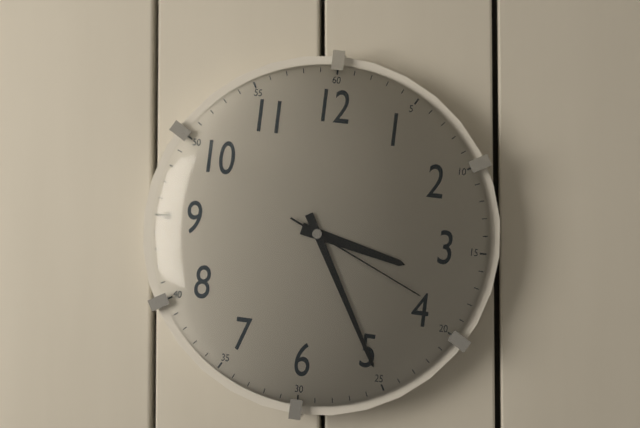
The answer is 3:25:19
